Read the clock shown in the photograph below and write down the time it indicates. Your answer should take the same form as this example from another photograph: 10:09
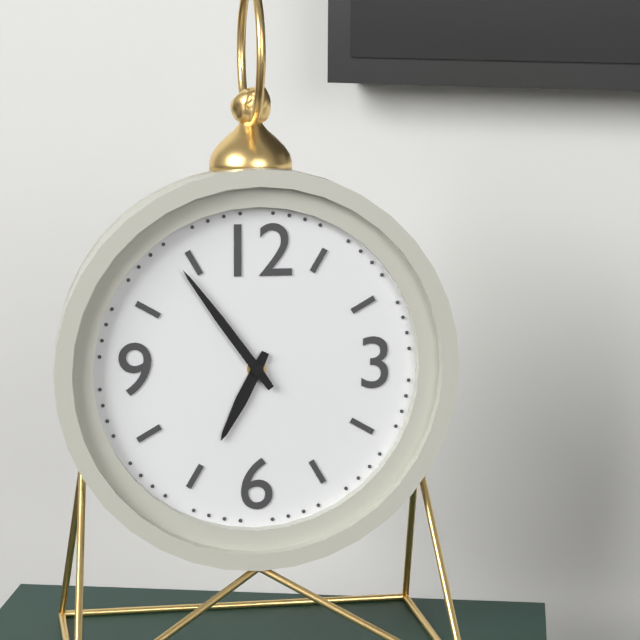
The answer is 6:54
